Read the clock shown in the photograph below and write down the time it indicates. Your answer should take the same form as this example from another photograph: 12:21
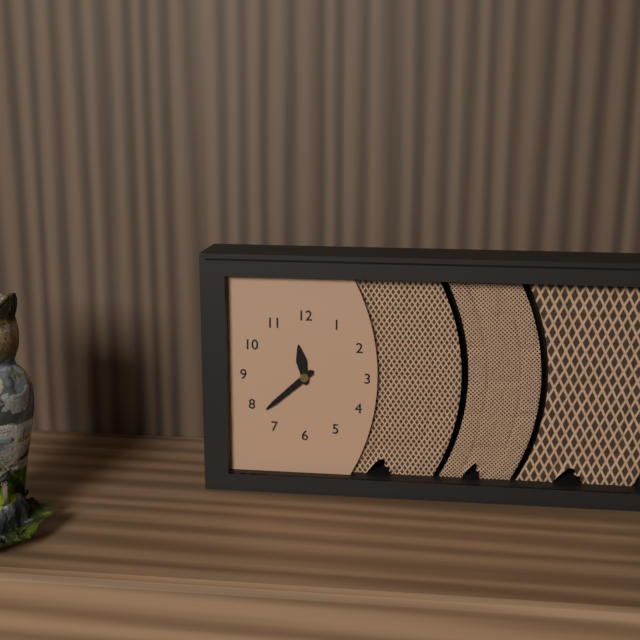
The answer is 11:38
